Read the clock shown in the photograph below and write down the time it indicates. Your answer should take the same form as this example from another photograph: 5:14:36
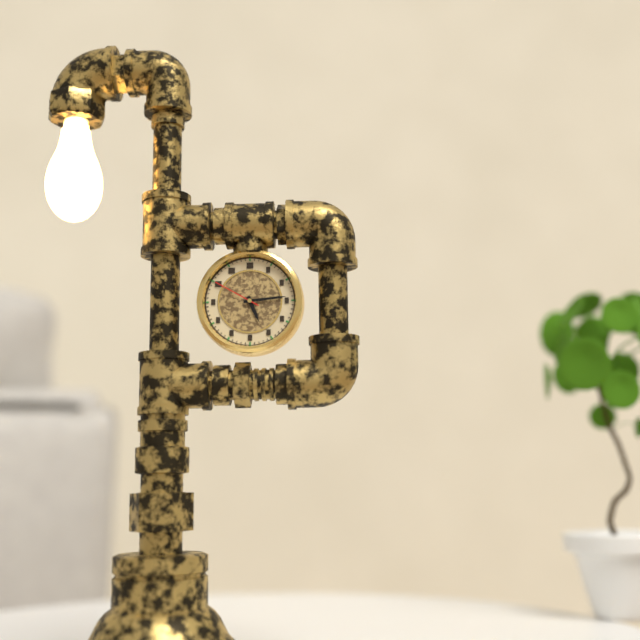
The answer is 5:14:50
